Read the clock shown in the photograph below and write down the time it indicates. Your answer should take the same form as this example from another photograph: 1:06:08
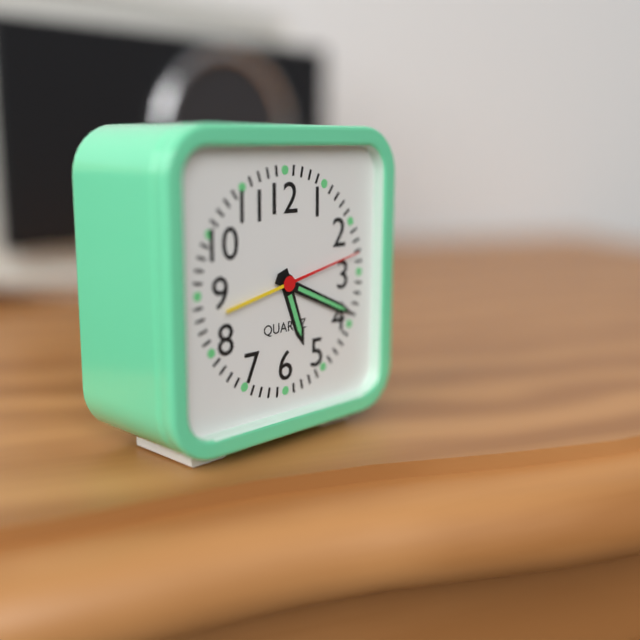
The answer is 5:19:13
